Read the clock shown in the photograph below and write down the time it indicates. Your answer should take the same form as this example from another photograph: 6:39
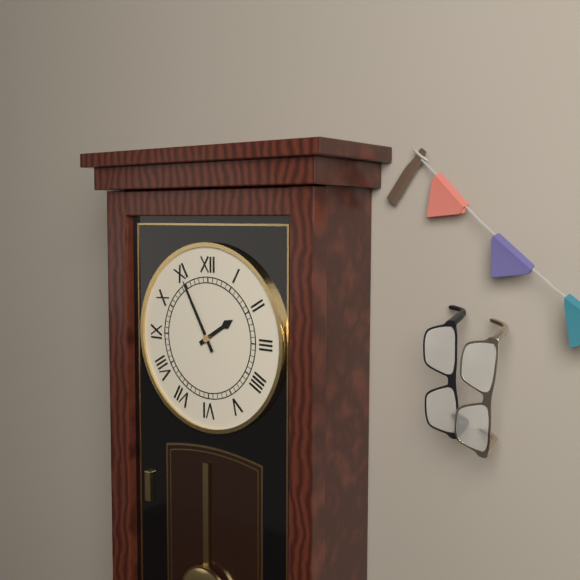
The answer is 1:55
